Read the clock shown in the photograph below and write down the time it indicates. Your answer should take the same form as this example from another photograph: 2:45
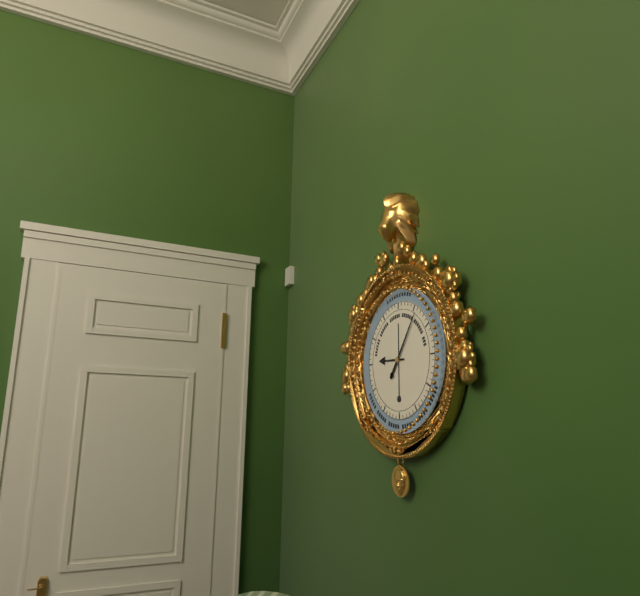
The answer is 9:06
